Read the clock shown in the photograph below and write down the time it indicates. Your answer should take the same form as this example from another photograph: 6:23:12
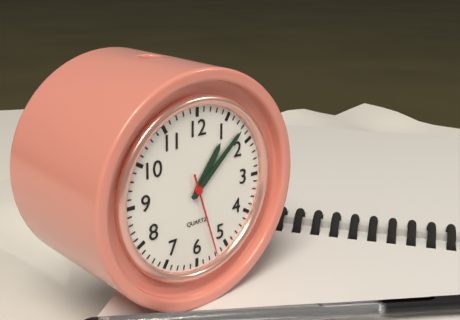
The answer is 1:08:27
